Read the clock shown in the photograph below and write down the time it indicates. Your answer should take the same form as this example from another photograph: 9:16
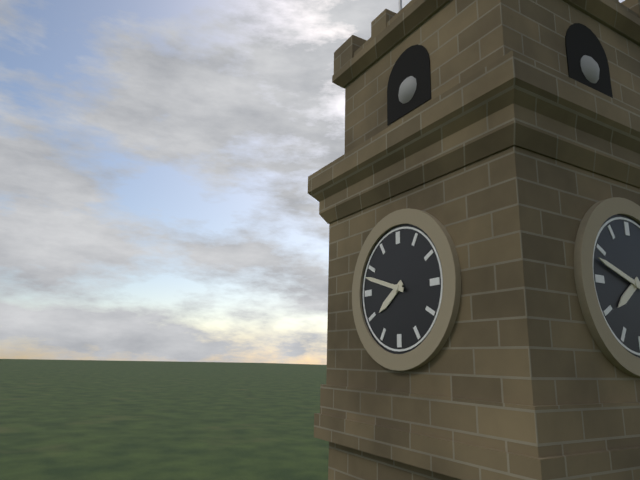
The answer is 7:48
